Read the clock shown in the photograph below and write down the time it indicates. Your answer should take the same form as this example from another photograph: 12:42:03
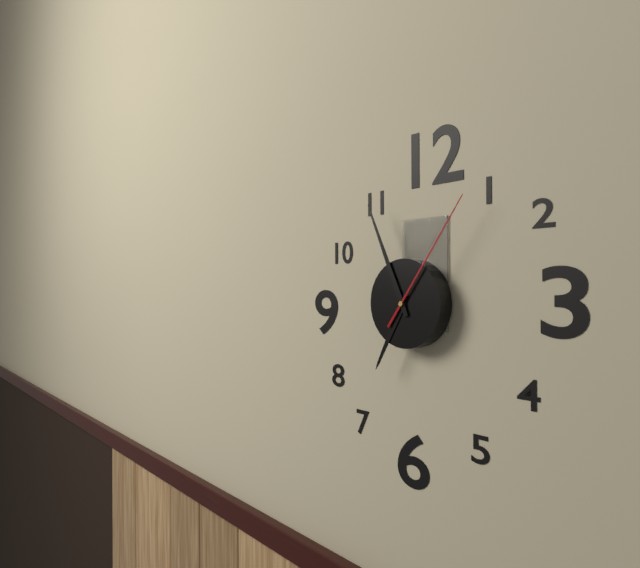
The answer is 6:56:06
